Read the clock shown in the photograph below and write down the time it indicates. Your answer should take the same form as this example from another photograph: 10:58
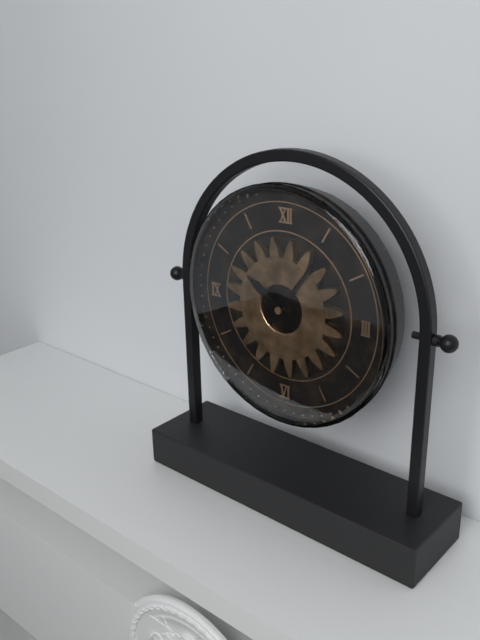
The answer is 10:06
